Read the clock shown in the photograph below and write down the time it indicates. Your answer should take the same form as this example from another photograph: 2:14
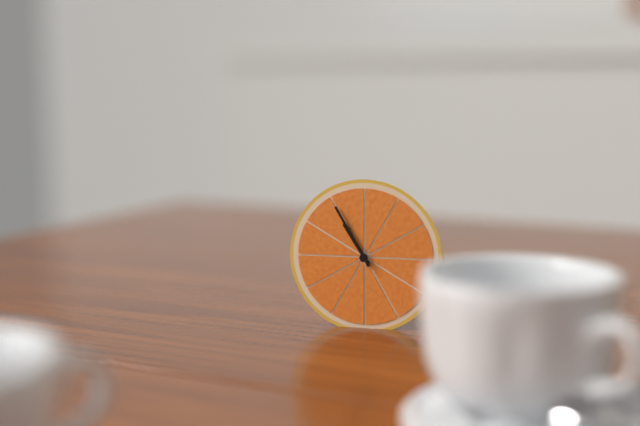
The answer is 10:55
